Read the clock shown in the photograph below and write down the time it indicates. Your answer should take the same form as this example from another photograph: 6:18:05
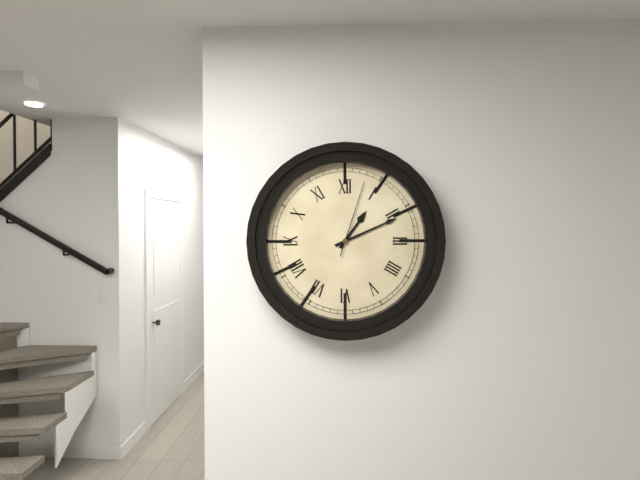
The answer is 1:11:03
